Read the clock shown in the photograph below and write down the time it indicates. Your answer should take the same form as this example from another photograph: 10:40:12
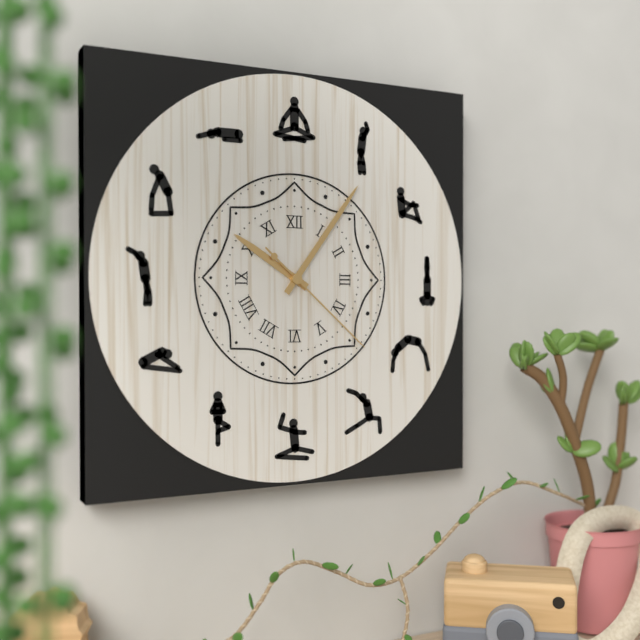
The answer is 10:06:22
